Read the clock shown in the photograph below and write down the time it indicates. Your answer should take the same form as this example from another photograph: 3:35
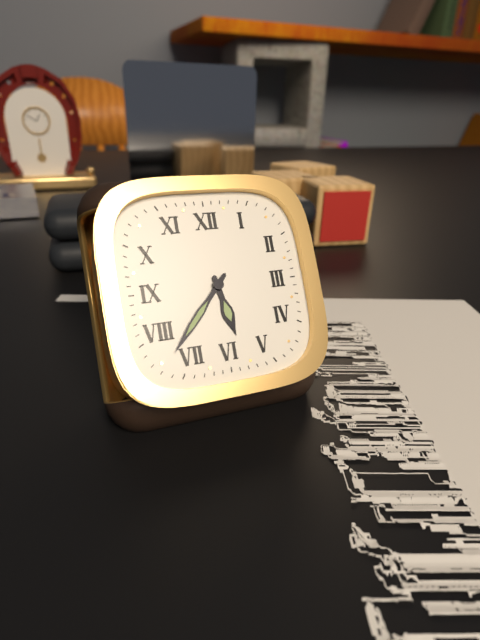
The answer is 5:37
